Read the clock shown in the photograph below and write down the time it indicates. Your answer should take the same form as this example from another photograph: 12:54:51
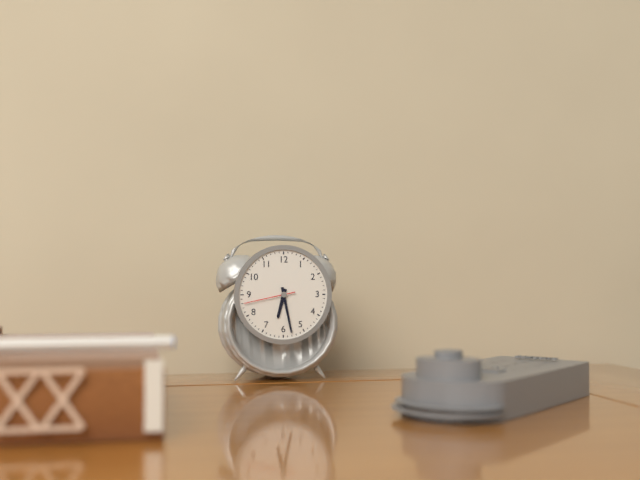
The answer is 6:28:43
